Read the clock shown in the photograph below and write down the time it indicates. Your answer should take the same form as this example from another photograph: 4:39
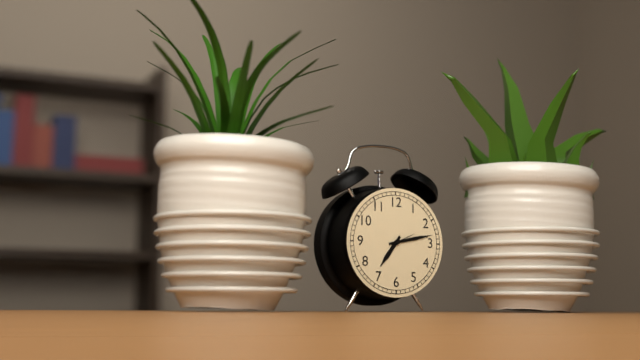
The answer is 7:13
